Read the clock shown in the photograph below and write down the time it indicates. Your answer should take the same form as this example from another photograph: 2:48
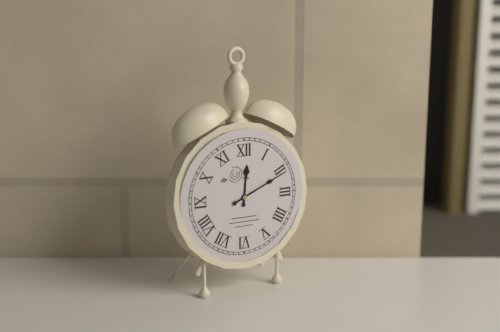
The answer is 12:11
